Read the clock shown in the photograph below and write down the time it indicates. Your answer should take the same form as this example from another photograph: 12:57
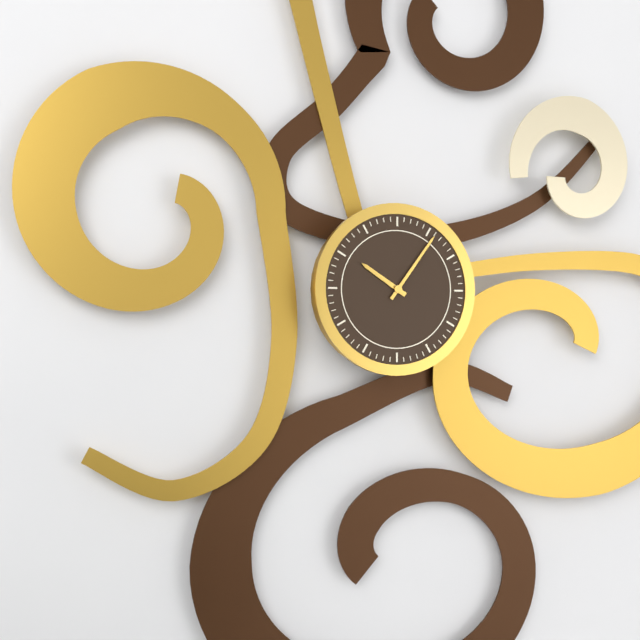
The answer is 10:06
